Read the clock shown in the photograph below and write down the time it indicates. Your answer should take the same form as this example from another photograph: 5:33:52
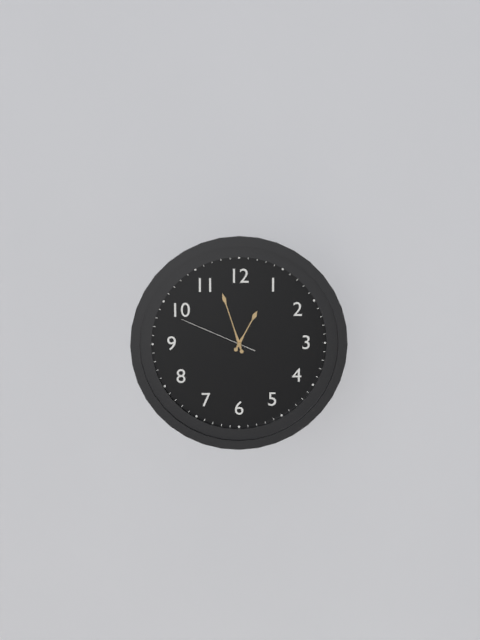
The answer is 12:57:49
